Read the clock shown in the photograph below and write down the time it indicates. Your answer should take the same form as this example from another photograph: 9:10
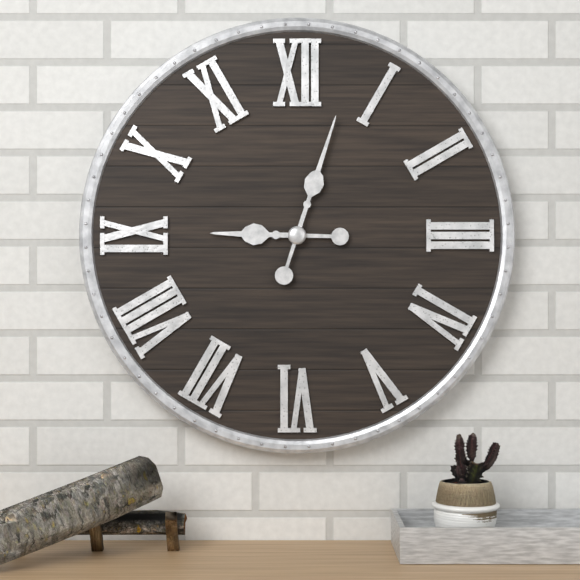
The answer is 9:03
